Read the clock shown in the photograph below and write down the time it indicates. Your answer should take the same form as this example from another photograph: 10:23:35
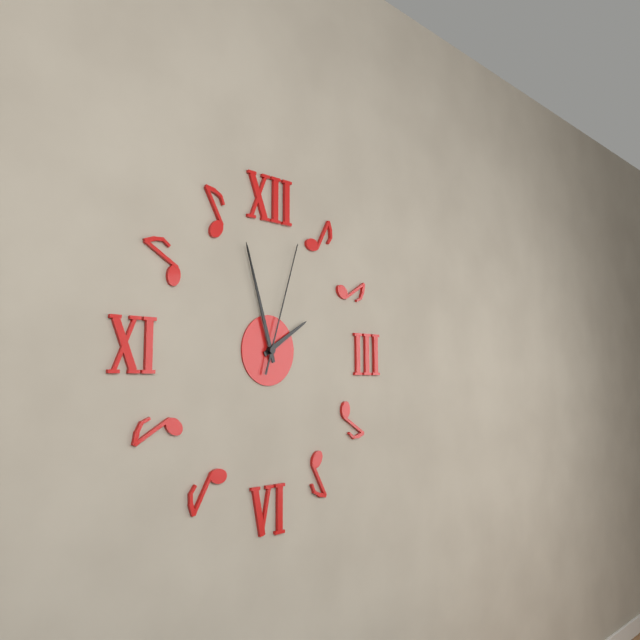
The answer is 1:57:03
